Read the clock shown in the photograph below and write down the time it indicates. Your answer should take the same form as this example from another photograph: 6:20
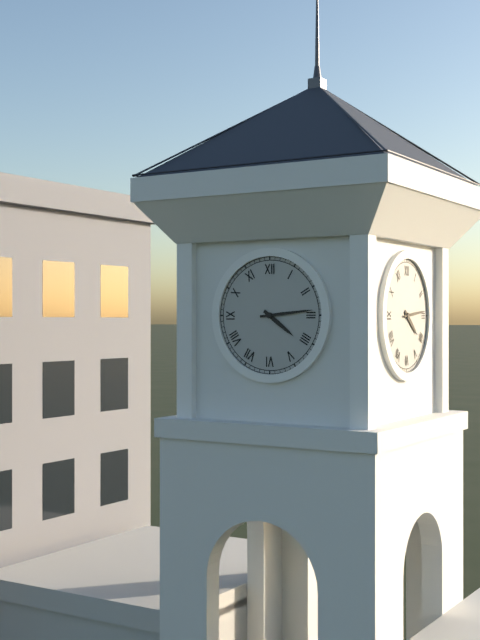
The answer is 4:14
